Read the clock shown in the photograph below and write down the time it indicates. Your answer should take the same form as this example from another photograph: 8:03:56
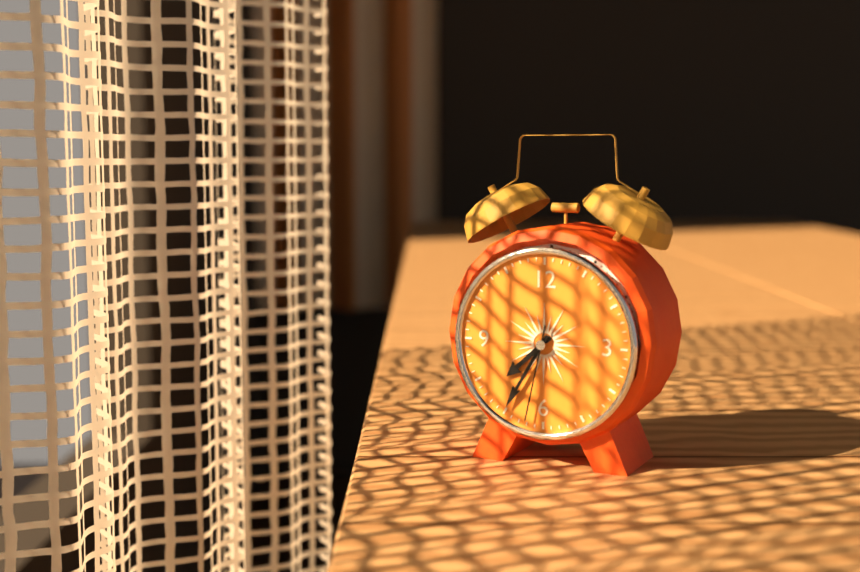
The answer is 7:35:32
